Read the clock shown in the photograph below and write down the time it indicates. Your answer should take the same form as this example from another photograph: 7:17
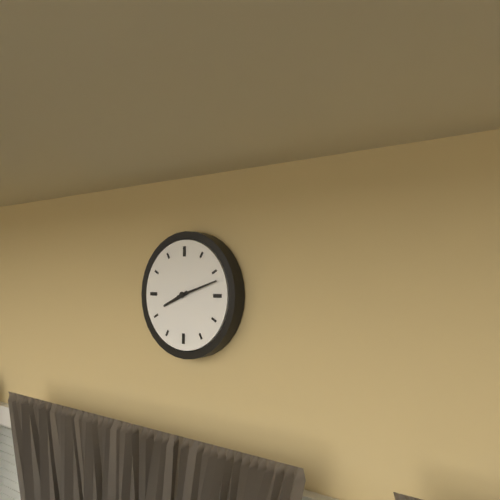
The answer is 8:12
